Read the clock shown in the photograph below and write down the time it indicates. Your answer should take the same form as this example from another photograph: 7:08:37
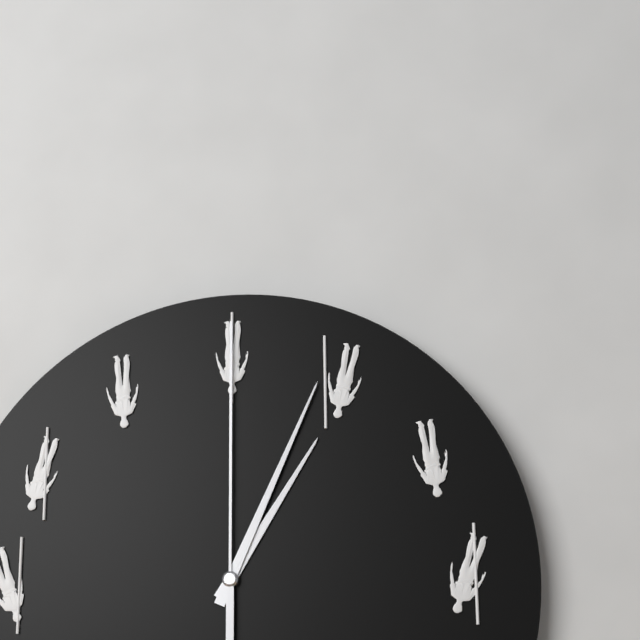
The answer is 1:04:00
